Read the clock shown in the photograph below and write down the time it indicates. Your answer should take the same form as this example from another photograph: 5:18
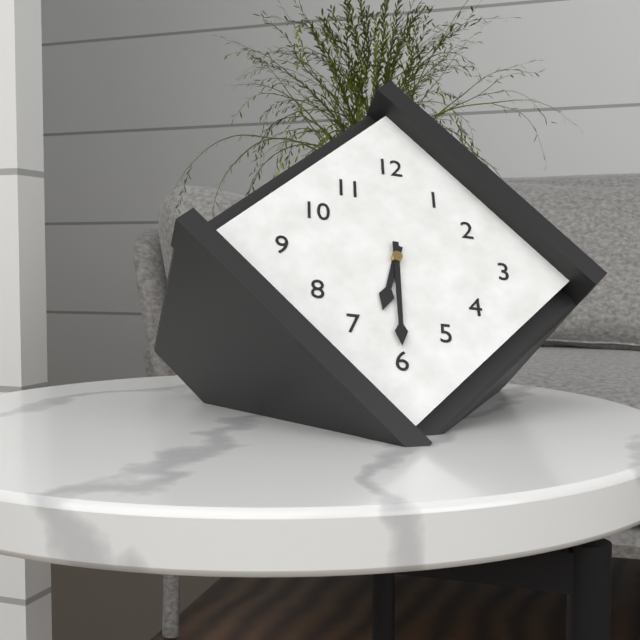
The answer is 6:30
